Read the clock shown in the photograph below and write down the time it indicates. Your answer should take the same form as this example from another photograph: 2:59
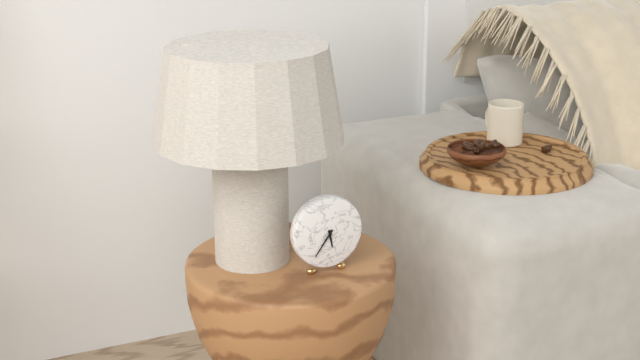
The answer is 5:36
